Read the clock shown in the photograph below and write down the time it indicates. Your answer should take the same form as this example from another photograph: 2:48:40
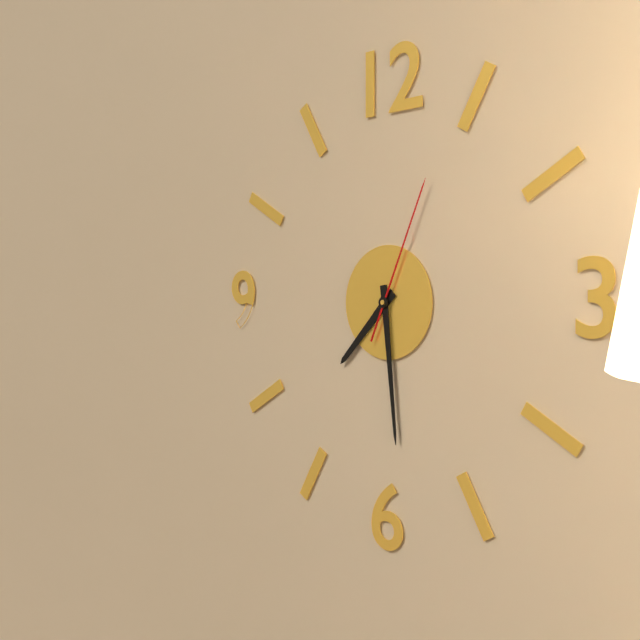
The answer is 7:29:04
